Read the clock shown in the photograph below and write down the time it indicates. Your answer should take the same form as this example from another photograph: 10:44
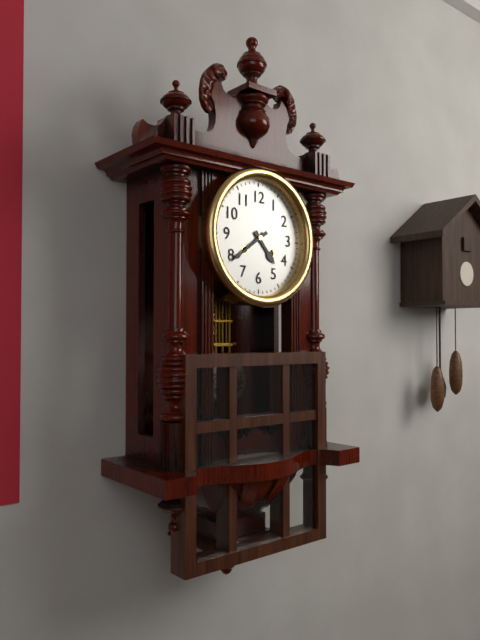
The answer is 4:39
